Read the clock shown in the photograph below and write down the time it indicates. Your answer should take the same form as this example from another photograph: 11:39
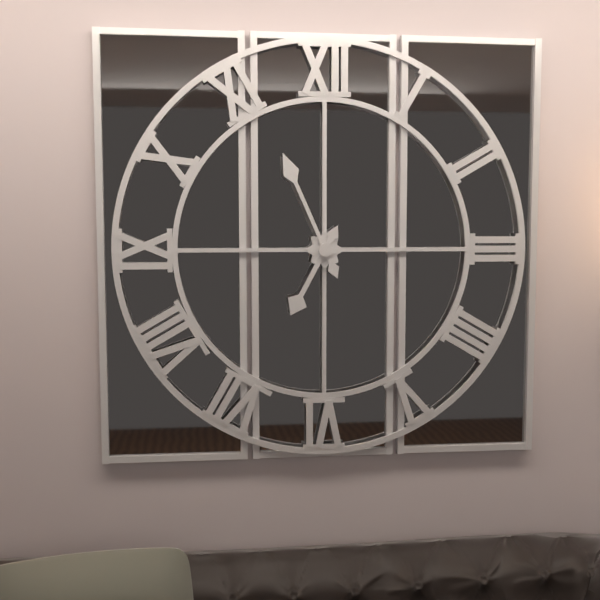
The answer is 6:56
